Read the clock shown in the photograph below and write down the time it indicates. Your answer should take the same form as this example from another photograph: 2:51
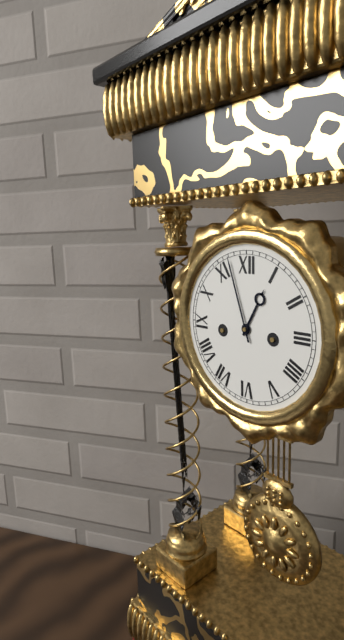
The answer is 12:57
